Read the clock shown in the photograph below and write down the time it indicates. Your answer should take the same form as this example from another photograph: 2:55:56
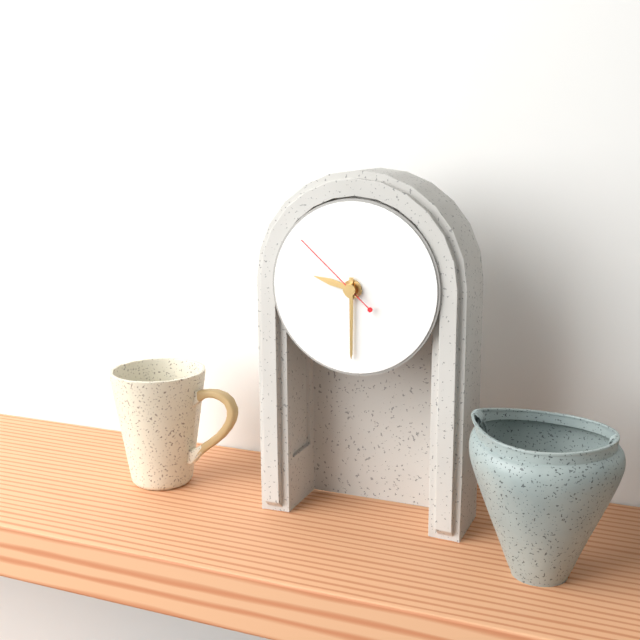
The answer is 9:30:52
